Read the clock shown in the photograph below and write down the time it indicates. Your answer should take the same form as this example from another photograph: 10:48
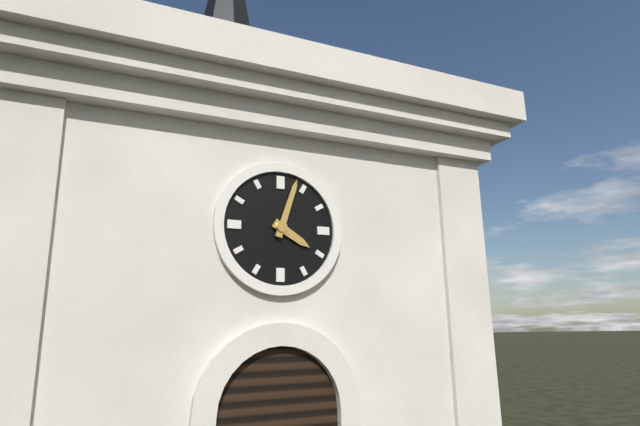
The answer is 4:03
